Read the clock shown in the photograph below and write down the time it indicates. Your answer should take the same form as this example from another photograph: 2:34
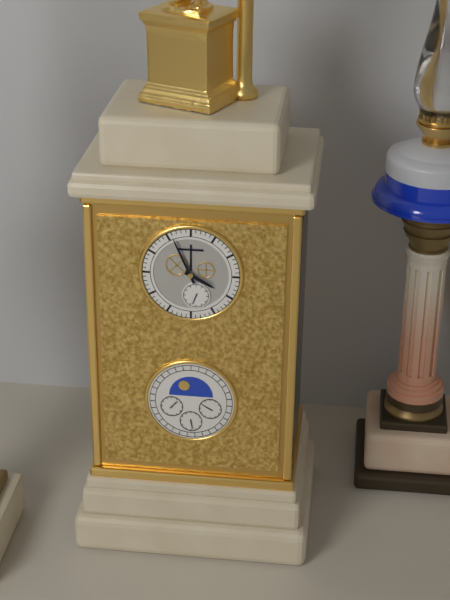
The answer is 3:56
